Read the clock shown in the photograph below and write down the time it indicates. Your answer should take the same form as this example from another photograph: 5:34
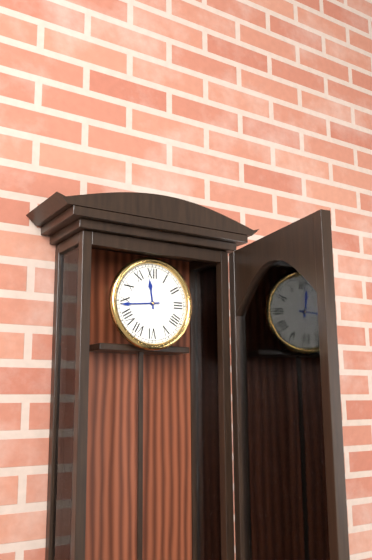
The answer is 11:44
